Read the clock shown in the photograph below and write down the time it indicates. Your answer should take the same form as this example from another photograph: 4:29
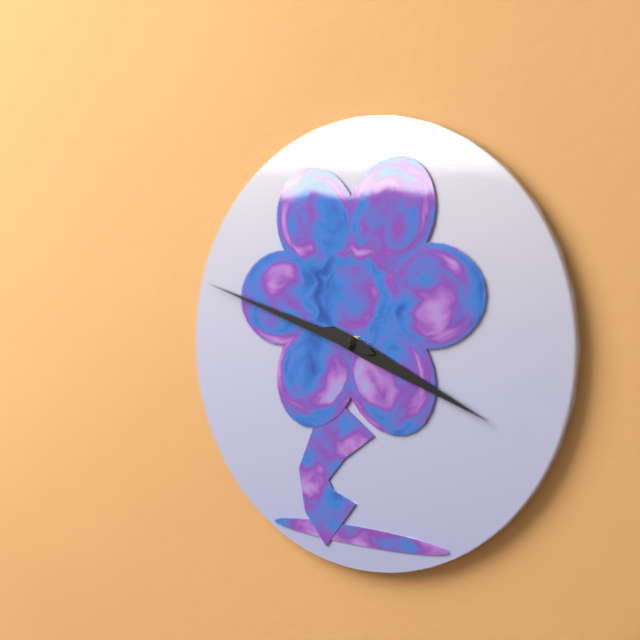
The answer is 3:48
